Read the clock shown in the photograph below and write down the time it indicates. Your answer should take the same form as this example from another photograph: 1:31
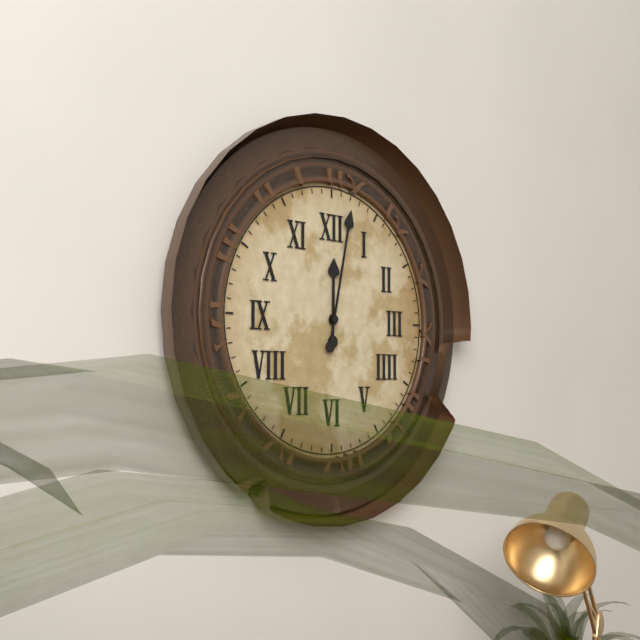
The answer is 12:02
